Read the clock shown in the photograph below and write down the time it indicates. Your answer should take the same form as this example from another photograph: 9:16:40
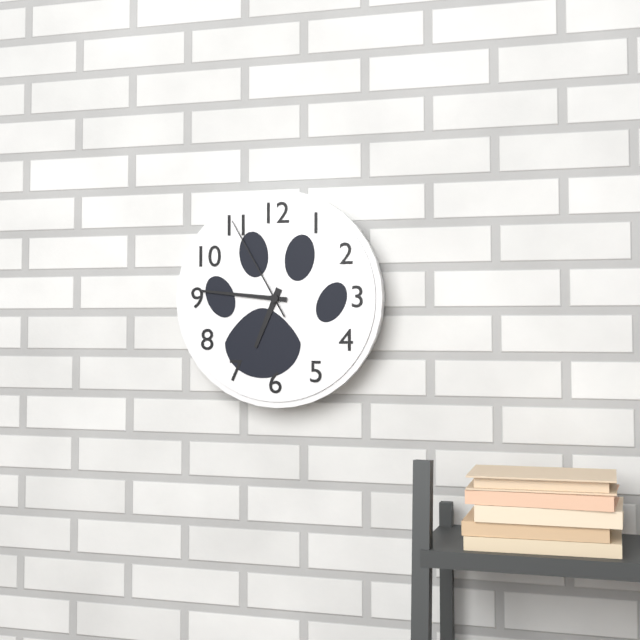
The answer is 6:46:55
